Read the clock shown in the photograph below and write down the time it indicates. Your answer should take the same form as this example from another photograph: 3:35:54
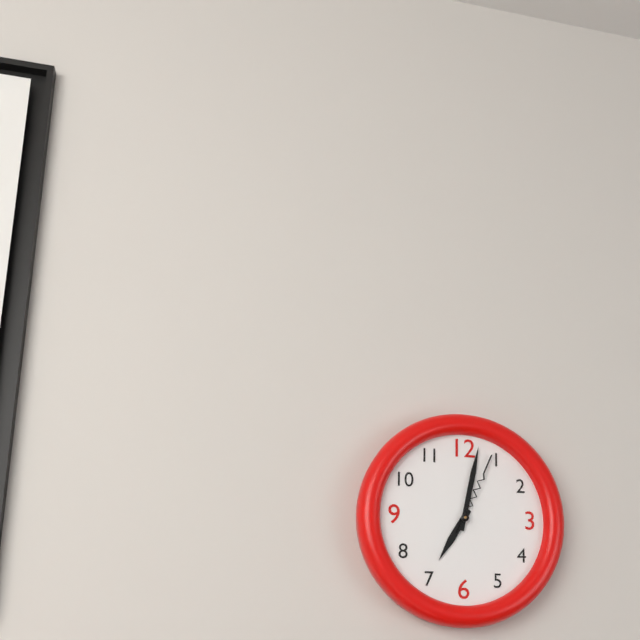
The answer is 7:02:04
